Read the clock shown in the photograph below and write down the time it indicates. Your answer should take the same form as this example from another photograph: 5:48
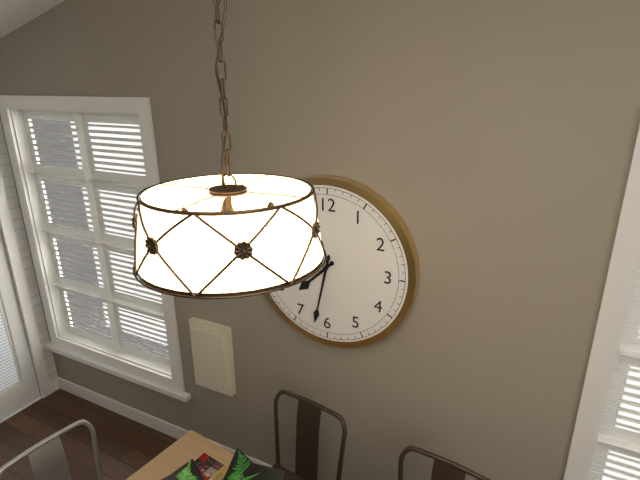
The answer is 7:32
